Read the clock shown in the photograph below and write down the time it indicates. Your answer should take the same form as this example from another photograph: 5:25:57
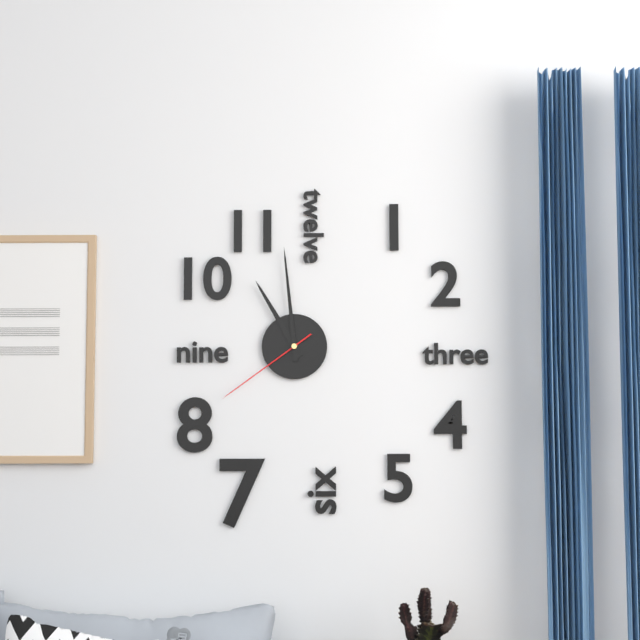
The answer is 10:59:39
